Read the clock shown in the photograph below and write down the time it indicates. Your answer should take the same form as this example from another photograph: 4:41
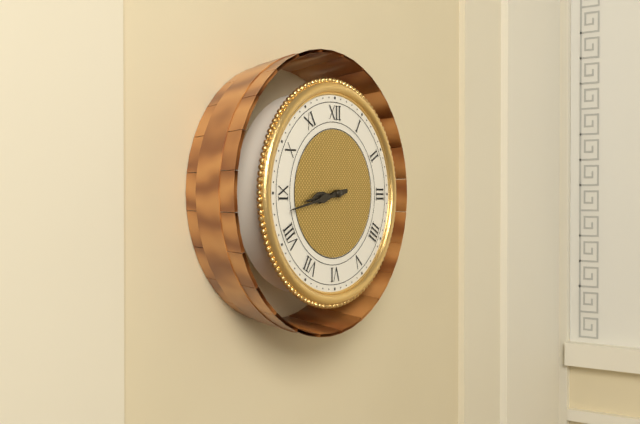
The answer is 8:43
